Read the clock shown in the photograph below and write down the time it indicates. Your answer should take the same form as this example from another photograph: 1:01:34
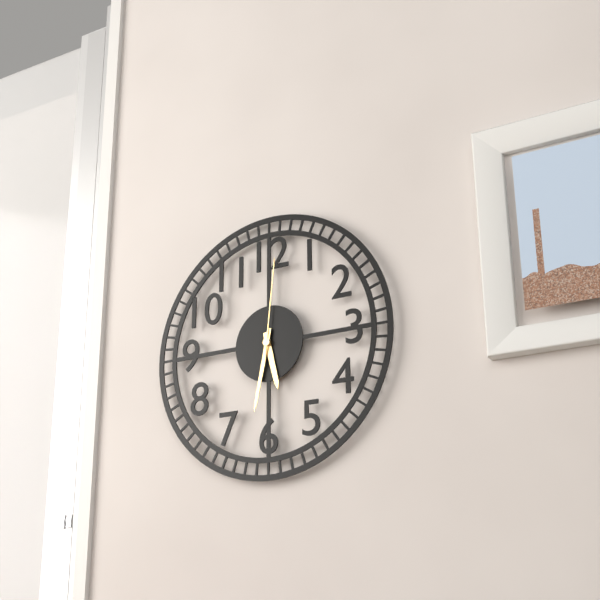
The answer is 5:32:01
